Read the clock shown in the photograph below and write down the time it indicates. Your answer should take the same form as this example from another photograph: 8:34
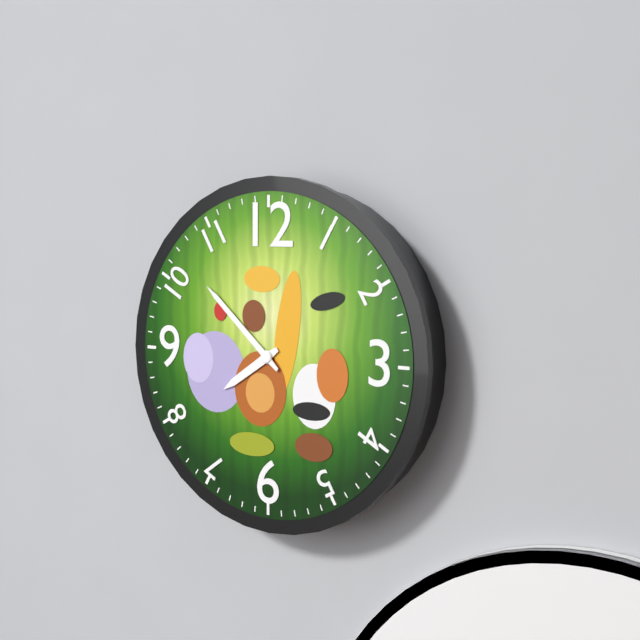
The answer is 7:52
